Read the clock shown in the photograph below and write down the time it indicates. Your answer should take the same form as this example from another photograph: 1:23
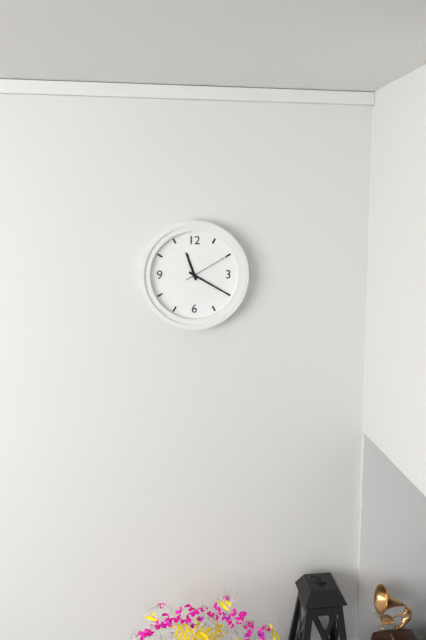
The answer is 11:20
